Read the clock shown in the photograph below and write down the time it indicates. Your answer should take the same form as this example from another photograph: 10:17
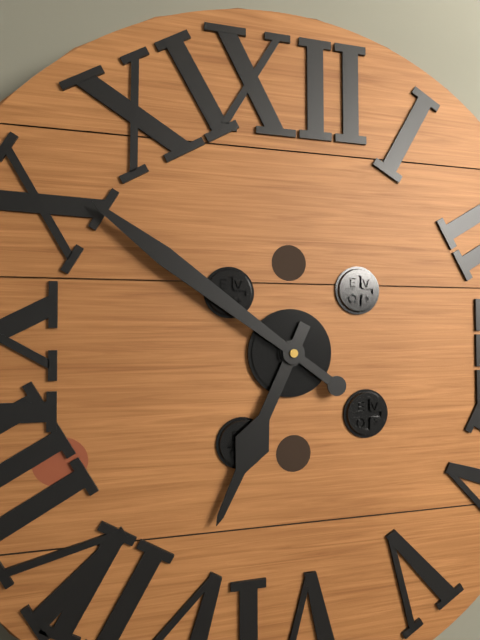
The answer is 6:51
